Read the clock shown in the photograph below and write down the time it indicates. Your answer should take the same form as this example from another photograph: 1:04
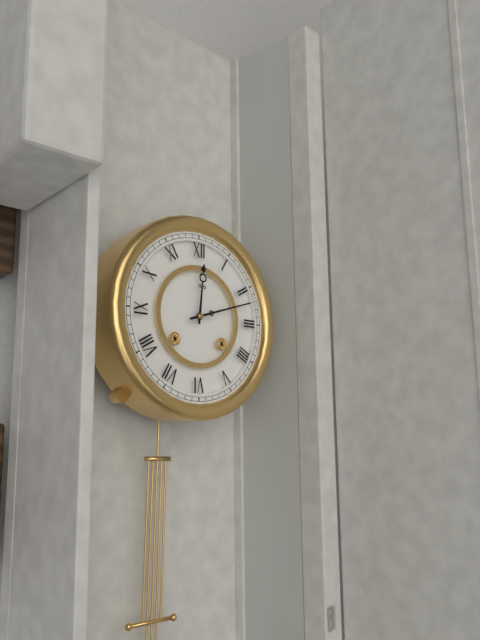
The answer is 12:12
